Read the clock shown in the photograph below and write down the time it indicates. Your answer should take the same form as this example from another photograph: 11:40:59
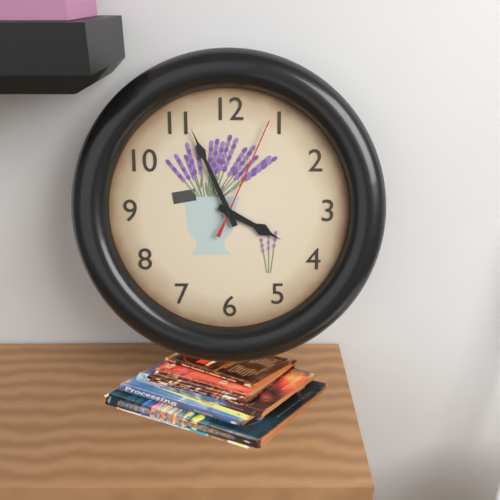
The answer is 3:56:04
